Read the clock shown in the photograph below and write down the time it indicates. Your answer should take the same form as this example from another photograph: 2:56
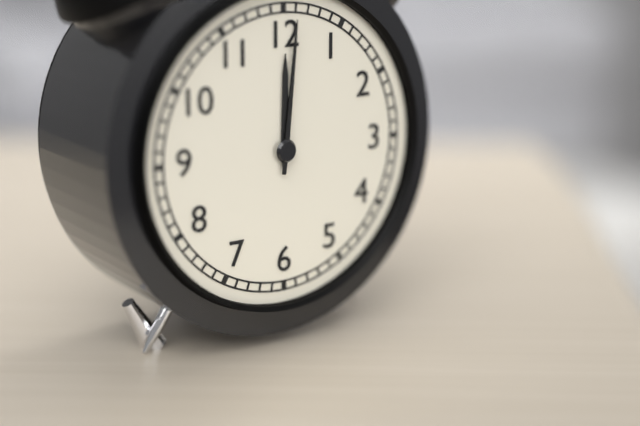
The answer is 12:01
